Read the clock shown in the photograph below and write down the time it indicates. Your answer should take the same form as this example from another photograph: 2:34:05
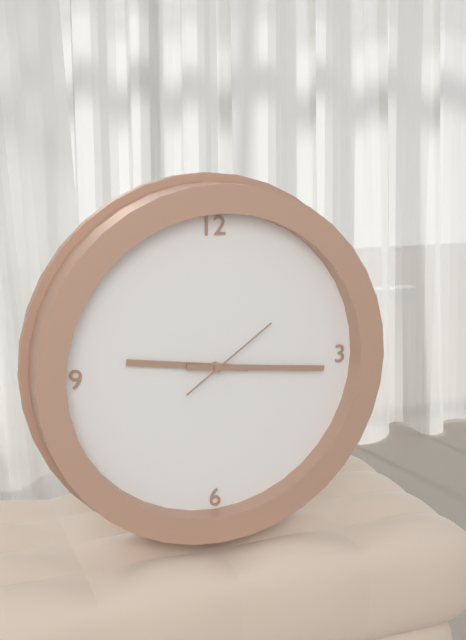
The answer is 9:16:09
